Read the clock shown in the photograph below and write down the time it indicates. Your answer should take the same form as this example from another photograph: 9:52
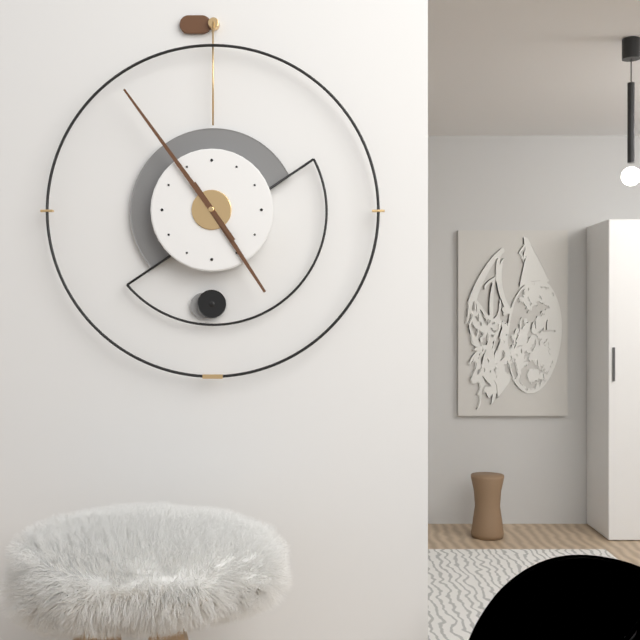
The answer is 4:54
